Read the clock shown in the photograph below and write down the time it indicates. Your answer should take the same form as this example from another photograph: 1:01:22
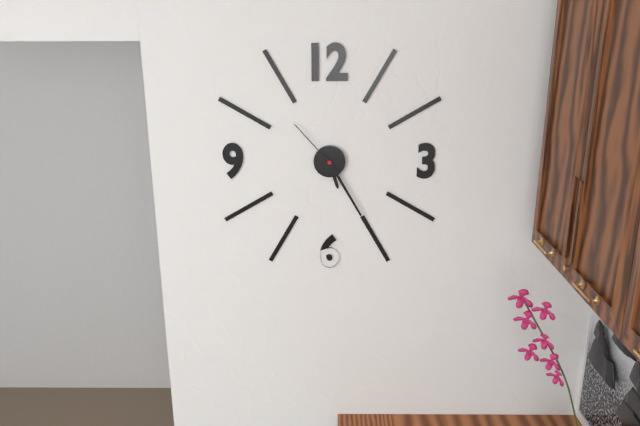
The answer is 5:25:53
